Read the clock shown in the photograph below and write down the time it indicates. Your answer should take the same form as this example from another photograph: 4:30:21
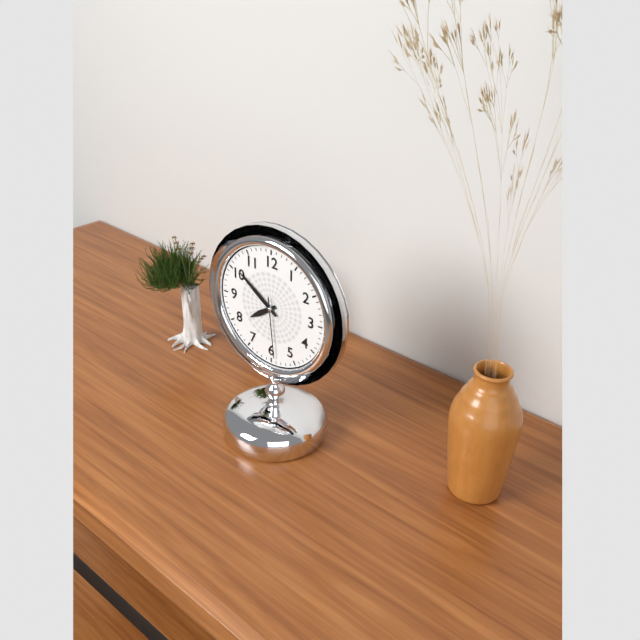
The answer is 7:51:29
